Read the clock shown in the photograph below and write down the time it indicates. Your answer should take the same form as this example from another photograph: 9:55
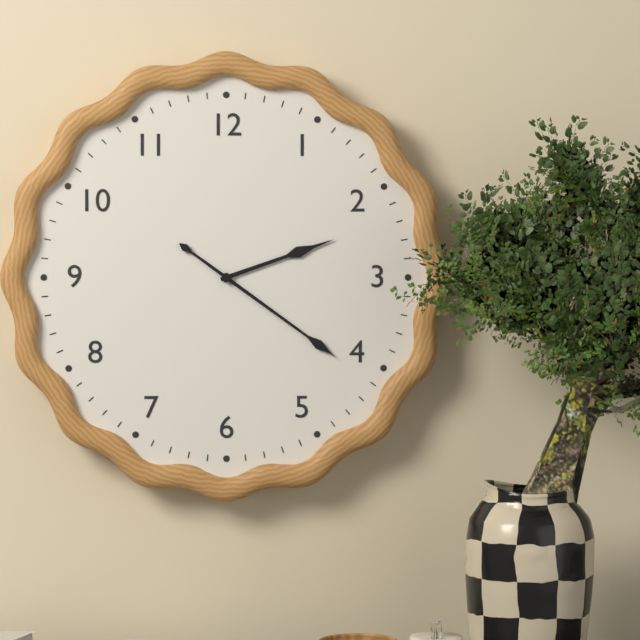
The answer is 2:21
